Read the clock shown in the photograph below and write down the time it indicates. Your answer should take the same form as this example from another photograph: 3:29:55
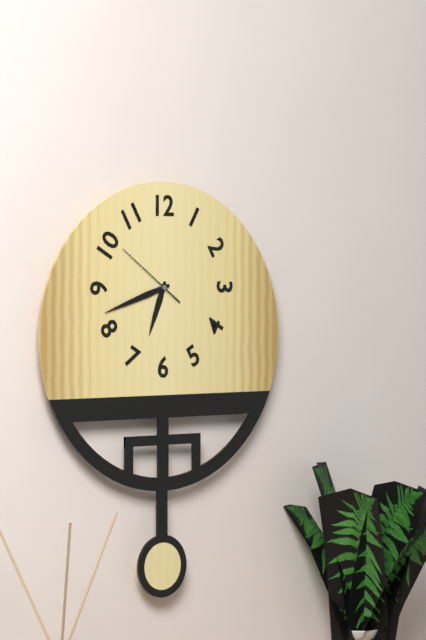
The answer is 6:42:51
